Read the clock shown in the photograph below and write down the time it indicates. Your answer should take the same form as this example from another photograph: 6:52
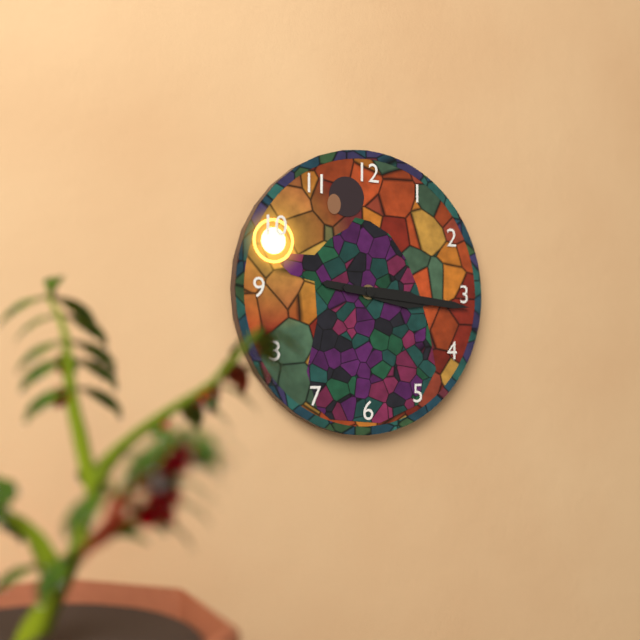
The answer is 3:16
